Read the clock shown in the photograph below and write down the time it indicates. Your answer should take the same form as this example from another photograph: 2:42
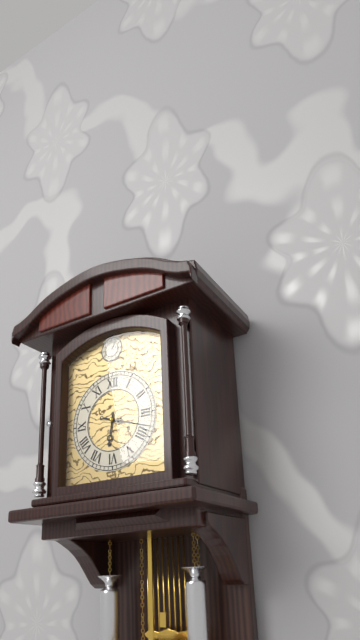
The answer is 6:18
